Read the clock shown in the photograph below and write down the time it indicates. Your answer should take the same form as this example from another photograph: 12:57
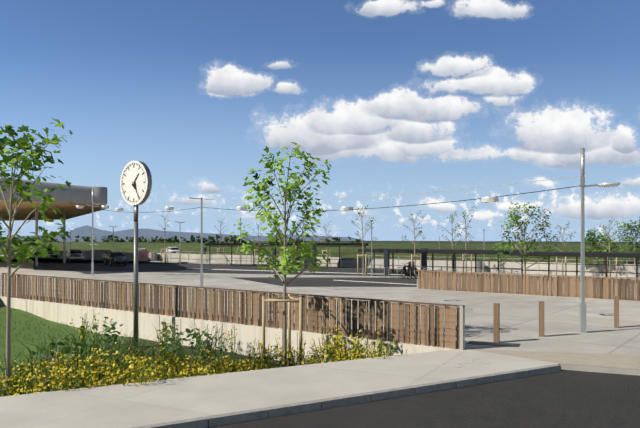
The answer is 1:25
